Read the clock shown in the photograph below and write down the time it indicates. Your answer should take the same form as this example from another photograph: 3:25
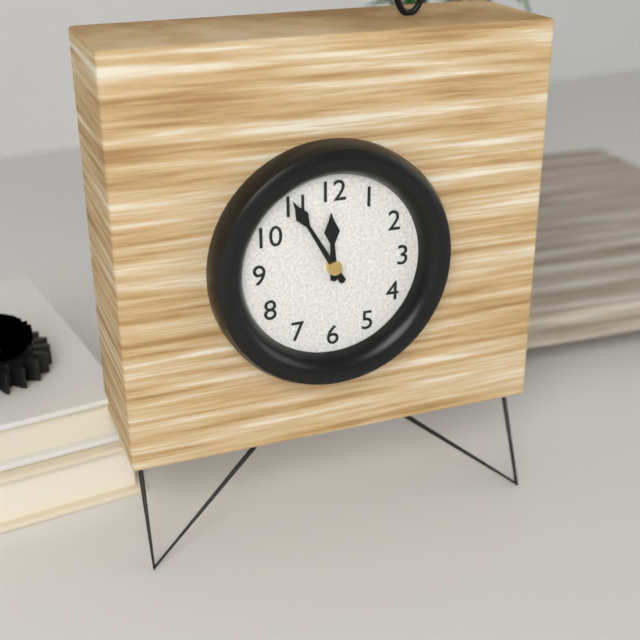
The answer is 11:55
